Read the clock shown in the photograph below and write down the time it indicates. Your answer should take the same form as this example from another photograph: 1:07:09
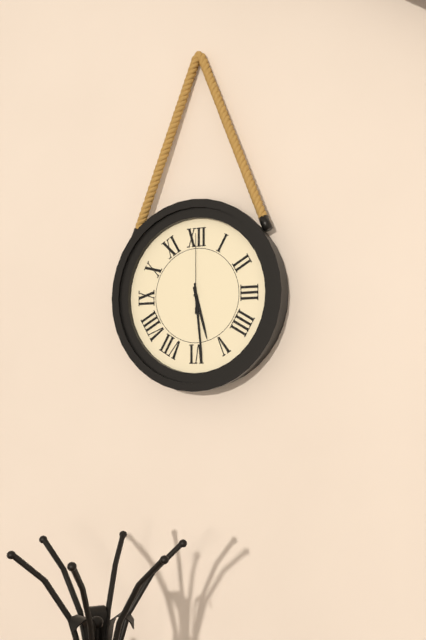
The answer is 5:29:00
